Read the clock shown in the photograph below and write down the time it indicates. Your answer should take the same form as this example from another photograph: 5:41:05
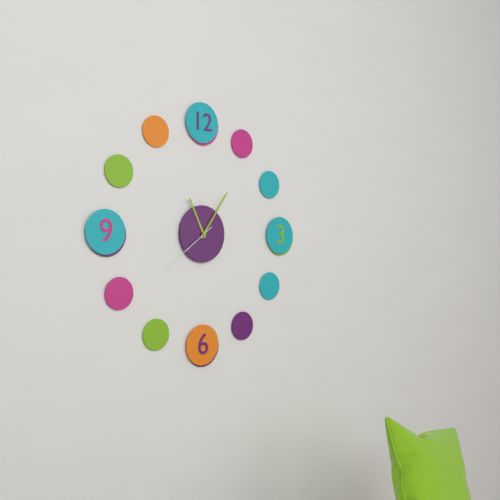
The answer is 11:06:39
